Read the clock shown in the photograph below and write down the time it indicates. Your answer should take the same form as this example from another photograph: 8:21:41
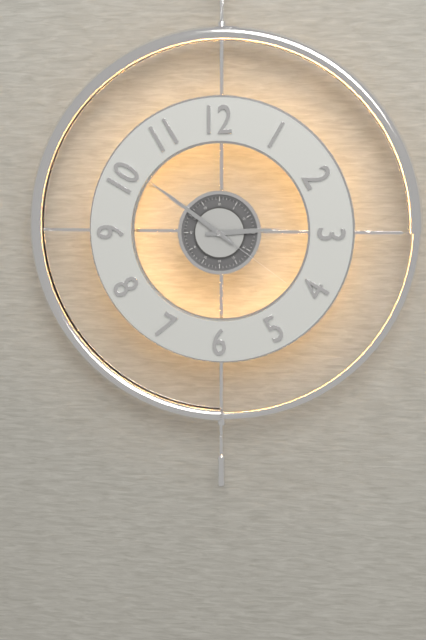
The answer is 2:51:21
